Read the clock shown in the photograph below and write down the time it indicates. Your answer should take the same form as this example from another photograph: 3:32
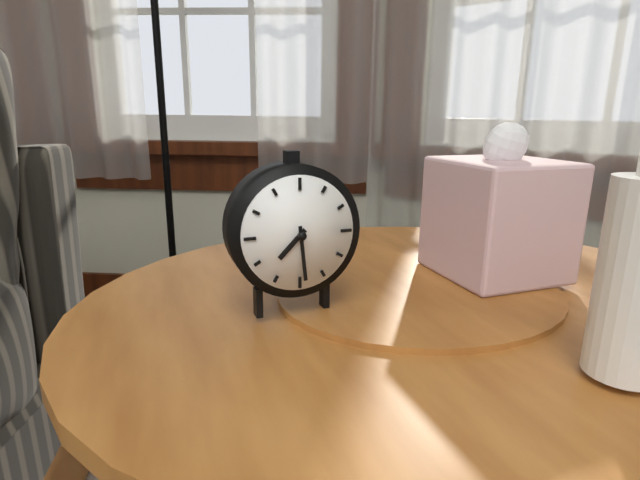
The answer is 7:29
